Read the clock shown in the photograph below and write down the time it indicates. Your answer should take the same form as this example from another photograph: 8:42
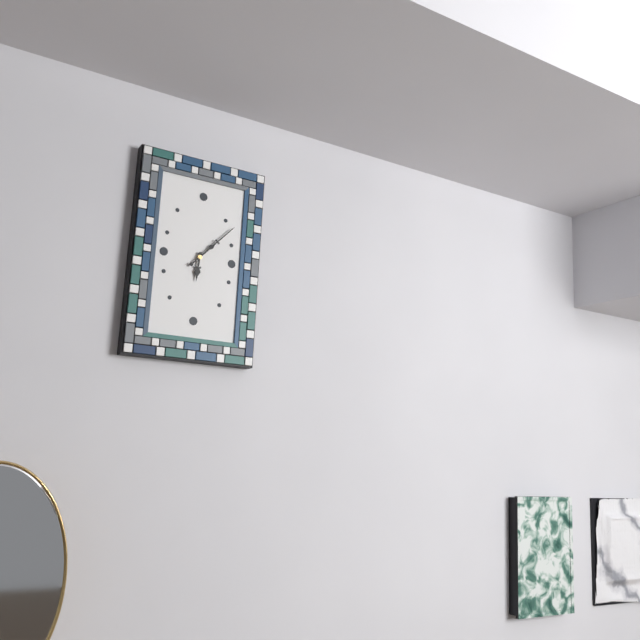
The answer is 6:07
